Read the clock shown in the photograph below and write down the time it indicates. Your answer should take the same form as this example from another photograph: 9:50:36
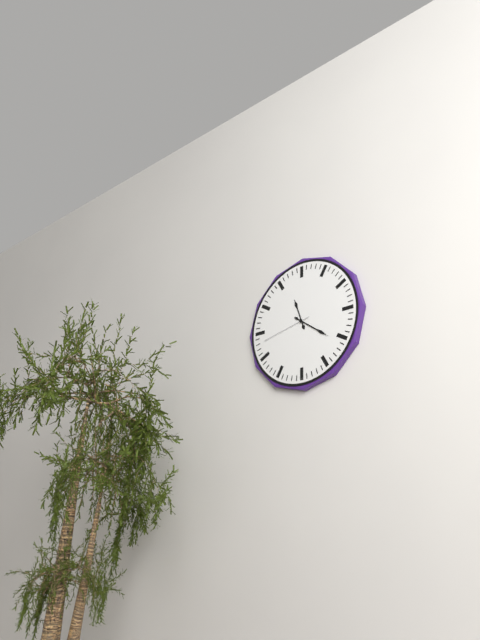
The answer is 11:21:43
